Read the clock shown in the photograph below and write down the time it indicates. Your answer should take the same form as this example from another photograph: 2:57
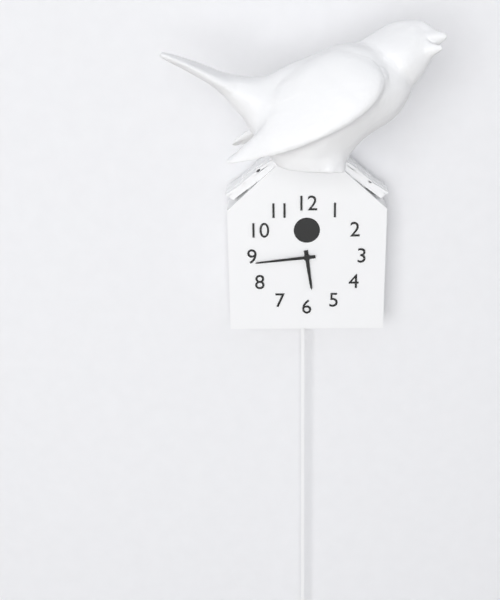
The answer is 5:44
